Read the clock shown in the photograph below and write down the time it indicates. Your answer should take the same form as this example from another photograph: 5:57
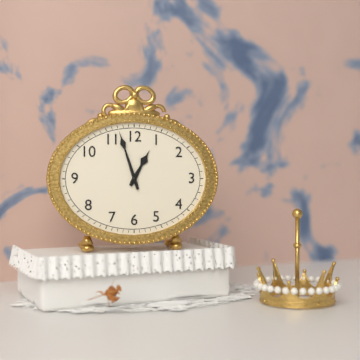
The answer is 12:57
